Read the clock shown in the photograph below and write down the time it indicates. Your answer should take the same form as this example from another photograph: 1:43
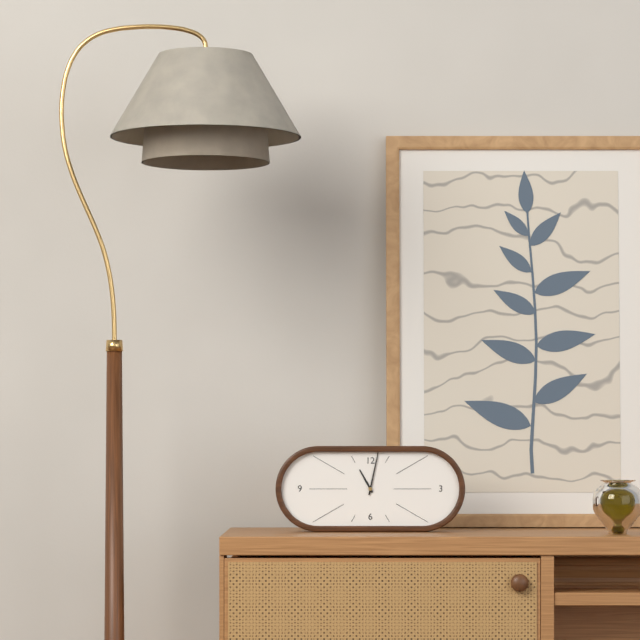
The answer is 11:02
